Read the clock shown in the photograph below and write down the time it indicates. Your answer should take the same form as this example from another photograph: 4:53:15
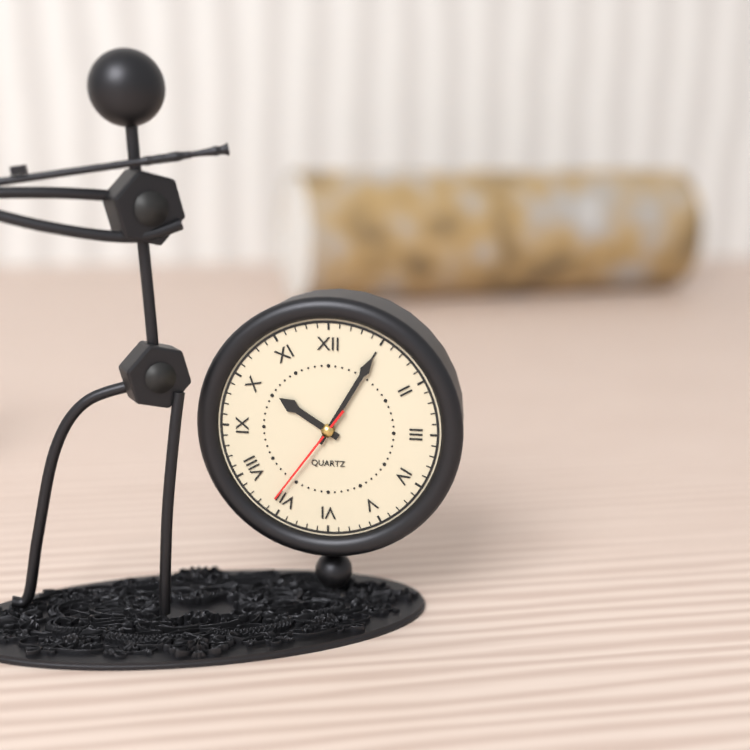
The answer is 10:05:36
